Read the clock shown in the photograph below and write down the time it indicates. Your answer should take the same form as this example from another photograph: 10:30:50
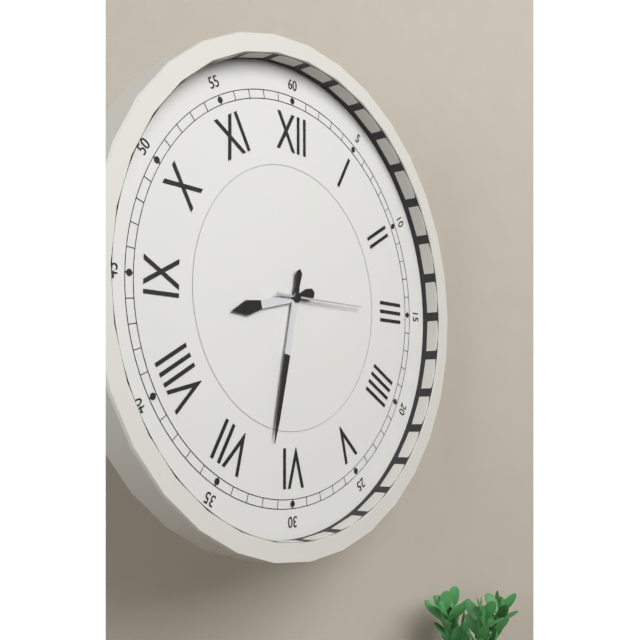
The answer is 8:32:15
